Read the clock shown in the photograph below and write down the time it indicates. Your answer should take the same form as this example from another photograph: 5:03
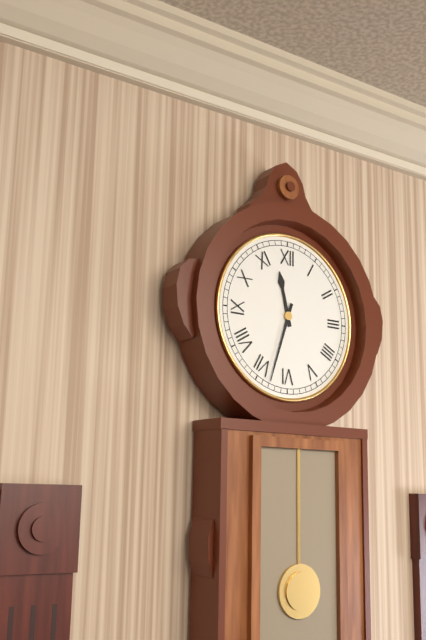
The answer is 11:33
